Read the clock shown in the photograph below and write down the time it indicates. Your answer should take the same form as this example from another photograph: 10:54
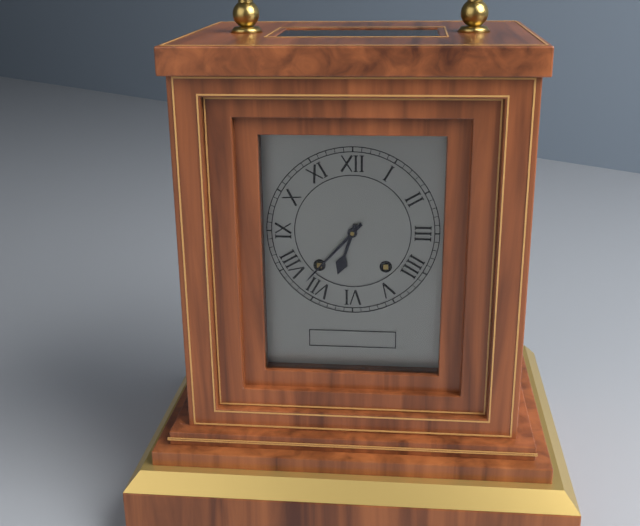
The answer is 6:37
